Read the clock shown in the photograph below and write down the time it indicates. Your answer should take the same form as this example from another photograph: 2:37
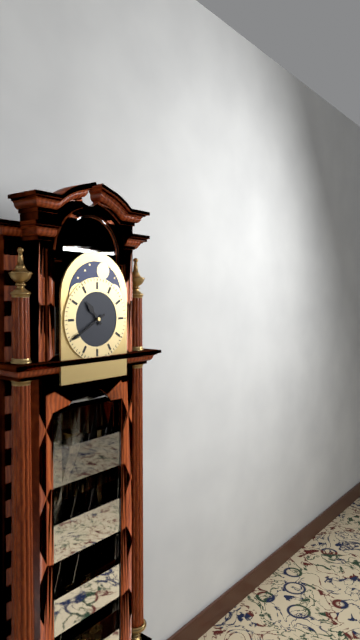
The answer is 10:40
